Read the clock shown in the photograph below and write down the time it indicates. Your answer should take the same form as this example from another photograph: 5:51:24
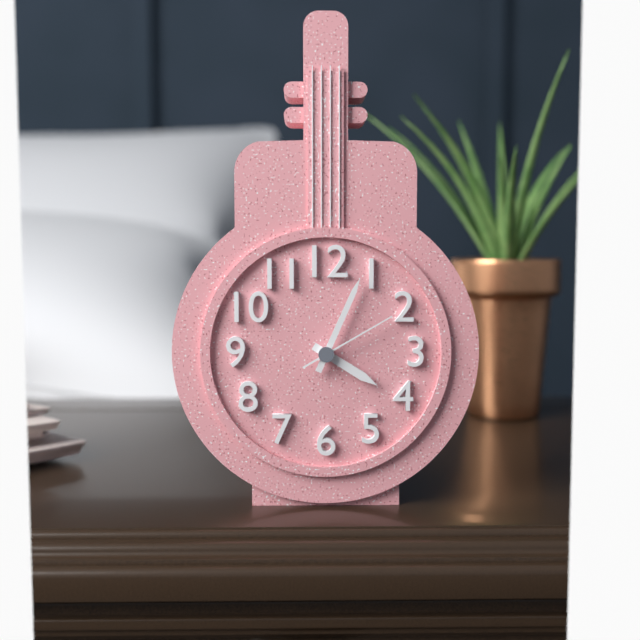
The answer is 4:04:10
